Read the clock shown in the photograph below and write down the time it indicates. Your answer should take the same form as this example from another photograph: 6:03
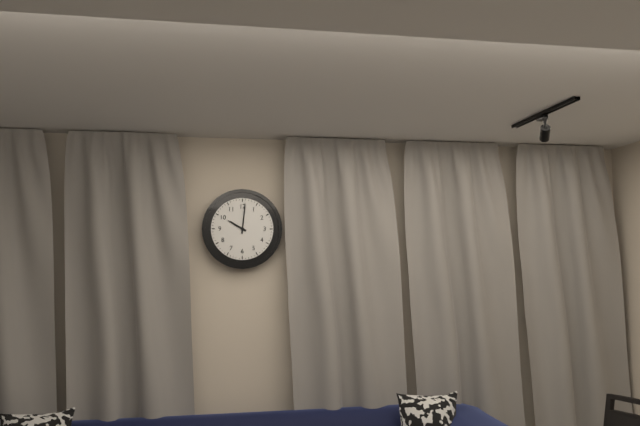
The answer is 10:01
